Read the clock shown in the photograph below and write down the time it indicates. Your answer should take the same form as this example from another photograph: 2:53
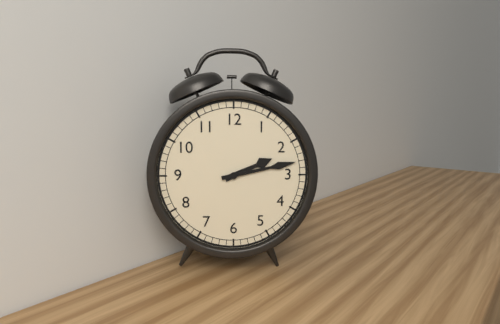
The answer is 2:13
